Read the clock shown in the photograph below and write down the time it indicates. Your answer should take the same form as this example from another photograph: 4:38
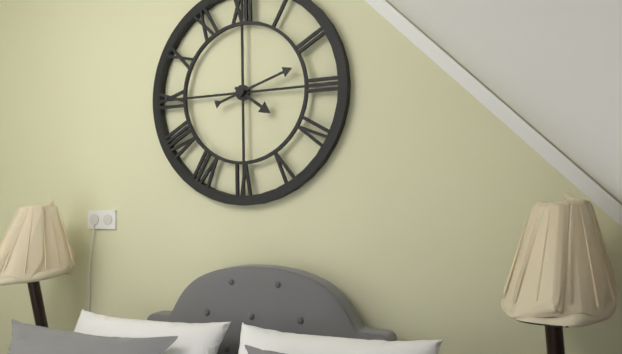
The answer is 4:12
